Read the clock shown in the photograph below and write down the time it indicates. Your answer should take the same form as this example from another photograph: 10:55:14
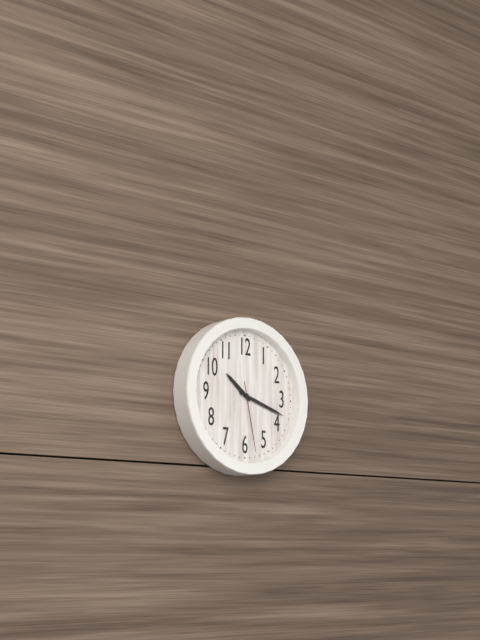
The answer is 10:18:28
